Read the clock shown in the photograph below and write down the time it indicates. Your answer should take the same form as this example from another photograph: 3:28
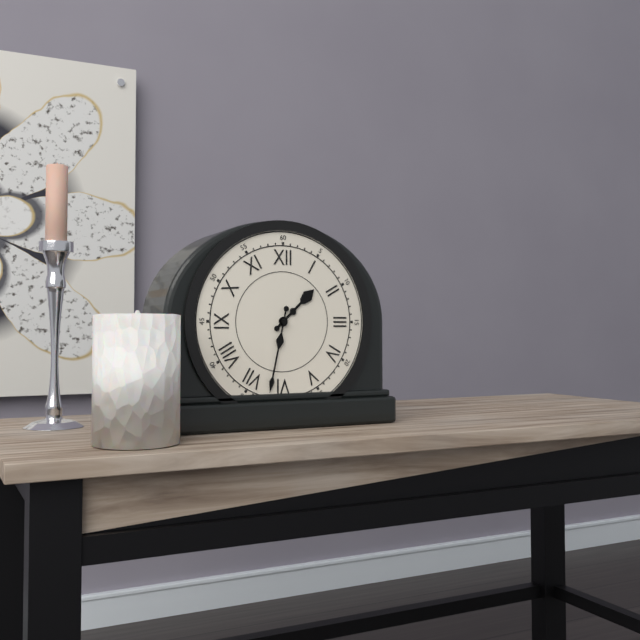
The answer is 1:32
